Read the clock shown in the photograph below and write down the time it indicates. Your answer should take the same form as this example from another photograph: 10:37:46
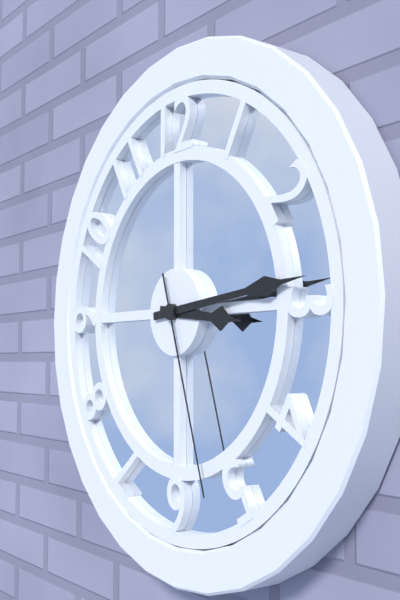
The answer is 3:14:27
